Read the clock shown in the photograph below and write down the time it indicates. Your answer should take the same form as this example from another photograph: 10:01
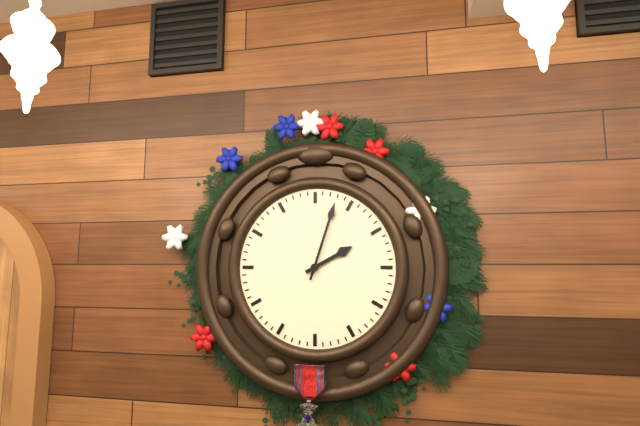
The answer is 2:03
